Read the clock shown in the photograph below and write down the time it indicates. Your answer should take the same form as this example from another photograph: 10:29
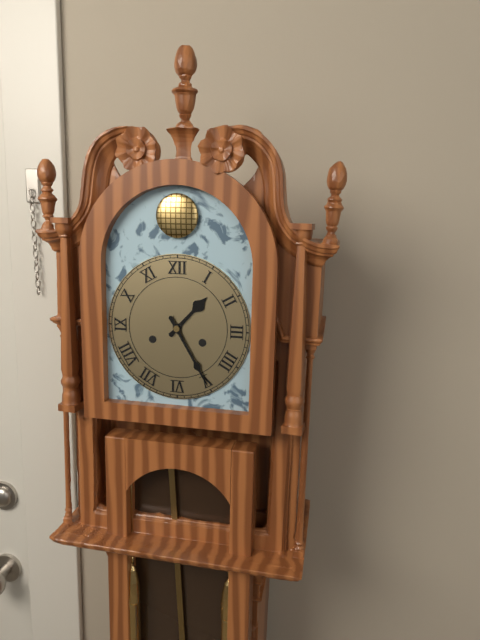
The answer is 1:25
